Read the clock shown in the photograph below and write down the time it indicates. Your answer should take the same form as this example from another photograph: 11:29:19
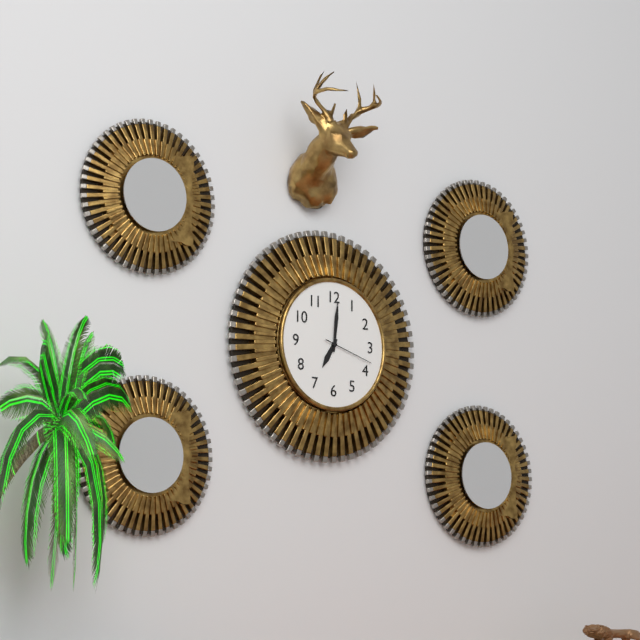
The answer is 7:01:18
